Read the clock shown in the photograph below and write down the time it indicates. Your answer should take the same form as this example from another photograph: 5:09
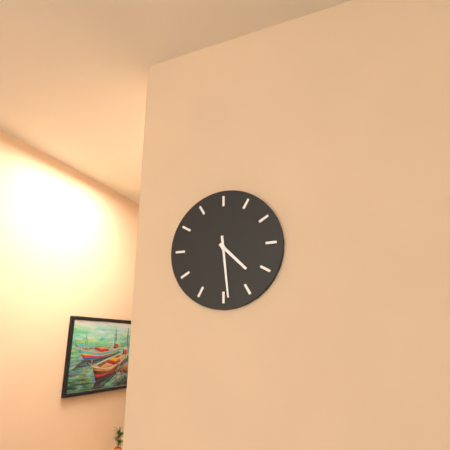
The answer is 4:29
